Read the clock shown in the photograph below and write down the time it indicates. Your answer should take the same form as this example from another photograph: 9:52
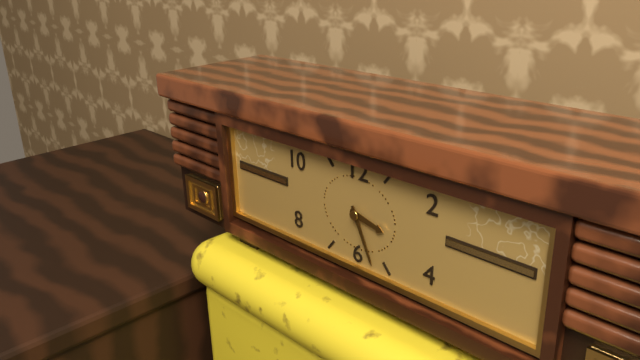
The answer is 3:26
